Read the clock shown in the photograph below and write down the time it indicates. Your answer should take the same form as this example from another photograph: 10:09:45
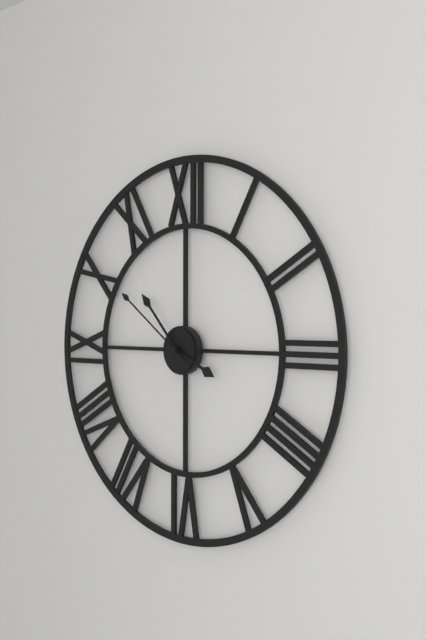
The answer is 3:53:51
